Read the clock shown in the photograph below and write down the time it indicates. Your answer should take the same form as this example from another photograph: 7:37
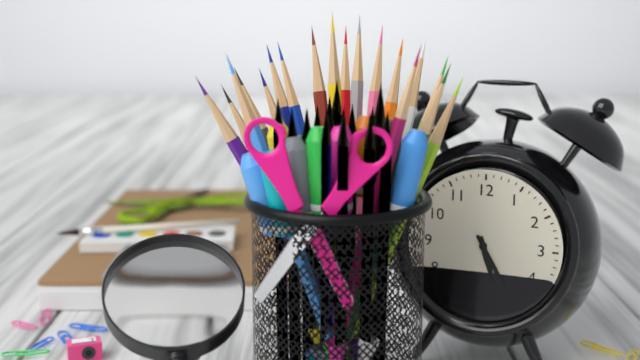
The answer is 5:25
